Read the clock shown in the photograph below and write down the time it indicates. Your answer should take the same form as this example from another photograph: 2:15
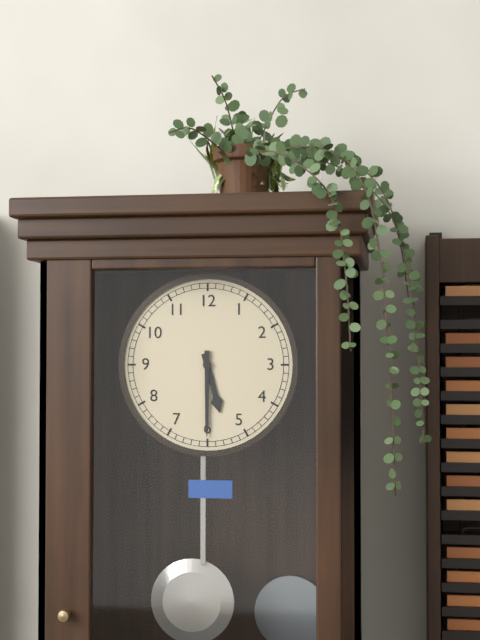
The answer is 5:30
